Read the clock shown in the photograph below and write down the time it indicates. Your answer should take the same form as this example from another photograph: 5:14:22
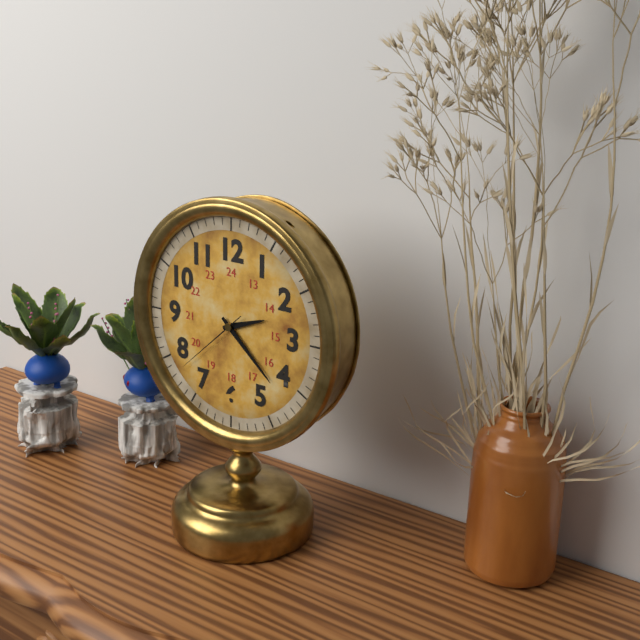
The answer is 2:22:38
